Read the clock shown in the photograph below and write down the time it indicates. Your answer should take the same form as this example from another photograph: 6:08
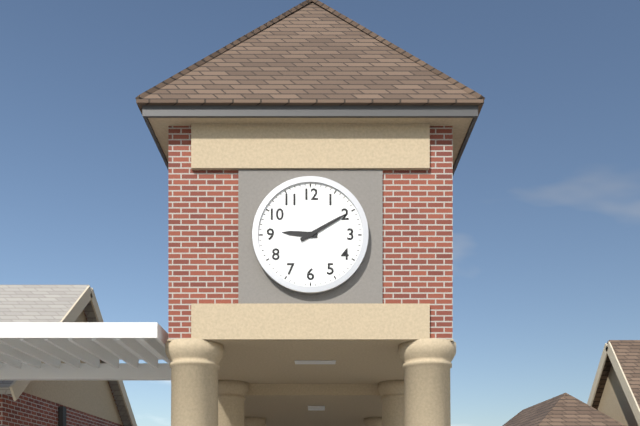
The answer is 9:10
